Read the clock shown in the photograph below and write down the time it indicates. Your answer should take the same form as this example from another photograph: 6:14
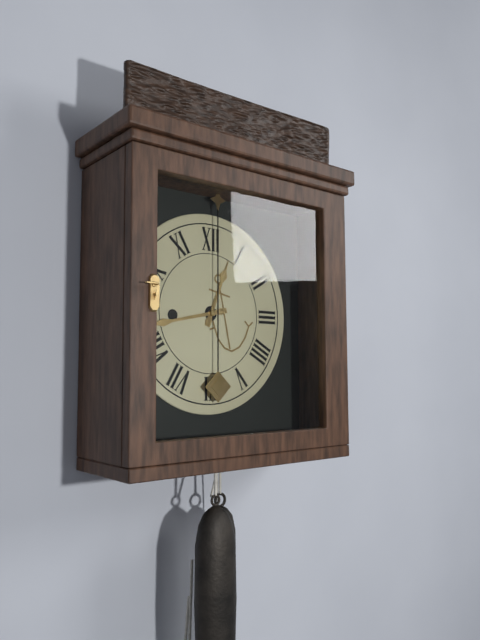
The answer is 12:43
